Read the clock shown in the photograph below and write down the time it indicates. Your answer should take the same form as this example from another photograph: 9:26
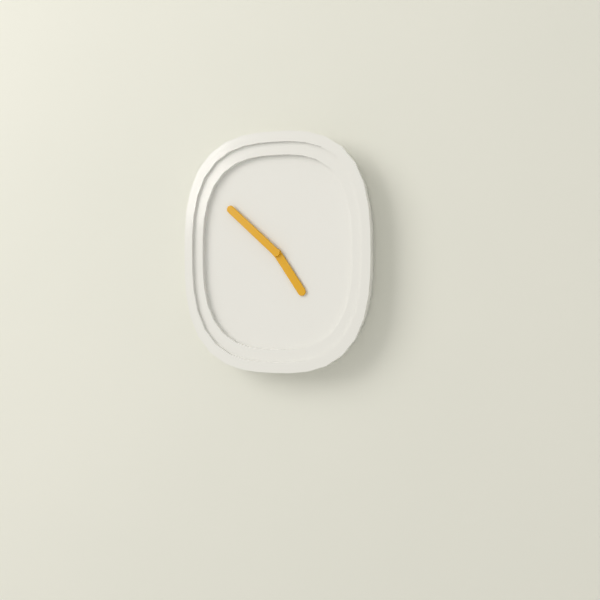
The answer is 4:52
